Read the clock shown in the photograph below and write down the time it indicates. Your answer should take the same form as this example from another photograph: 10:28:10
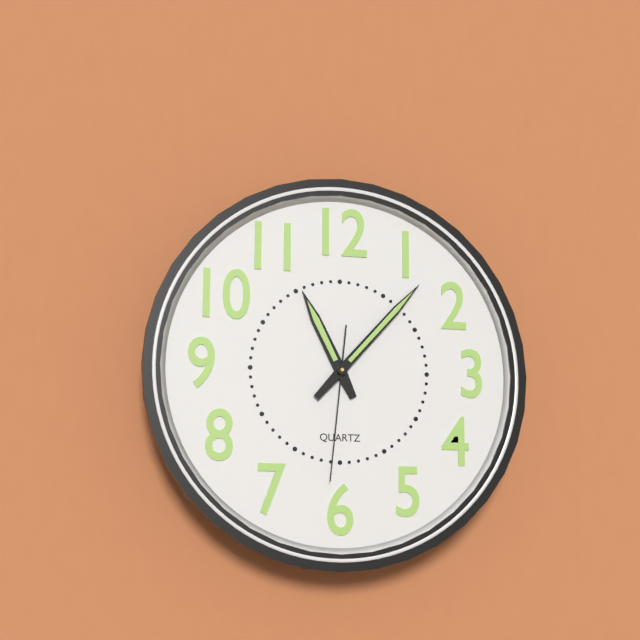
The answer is 11:07:31
